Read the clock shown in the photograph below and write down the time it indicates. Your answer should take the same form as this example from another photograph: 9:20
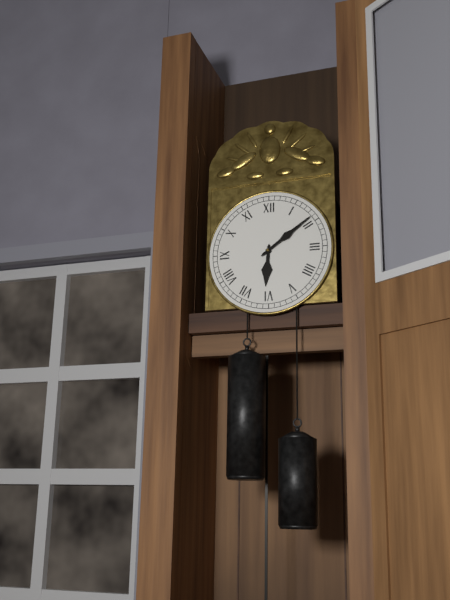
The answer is 6:09
